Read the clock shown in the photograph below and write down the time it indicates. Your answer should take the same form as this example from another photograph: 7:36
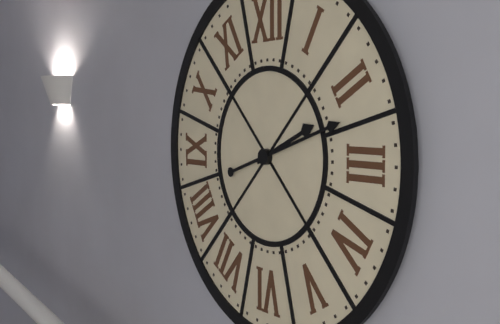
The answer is 2:12
